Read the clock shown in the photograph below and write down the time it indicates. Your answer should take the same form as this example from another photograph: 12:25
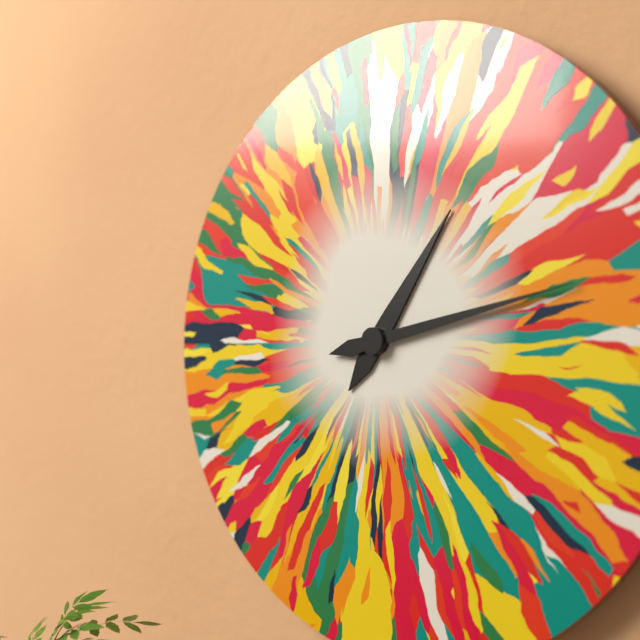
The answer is 1:13
